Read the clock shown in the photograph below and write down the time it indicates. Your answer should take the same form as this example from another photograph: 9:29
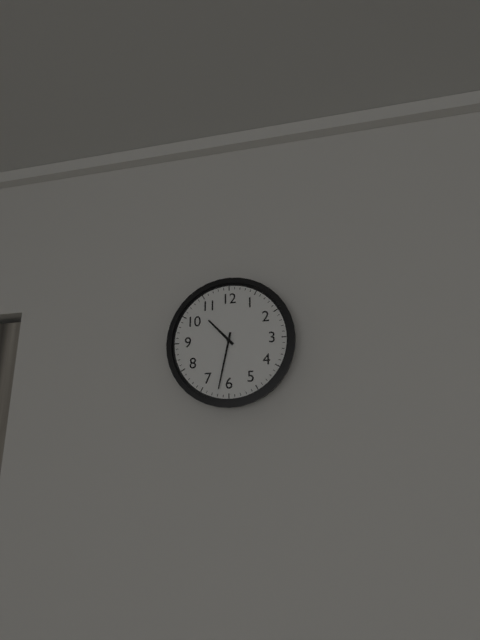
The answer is 10:32
